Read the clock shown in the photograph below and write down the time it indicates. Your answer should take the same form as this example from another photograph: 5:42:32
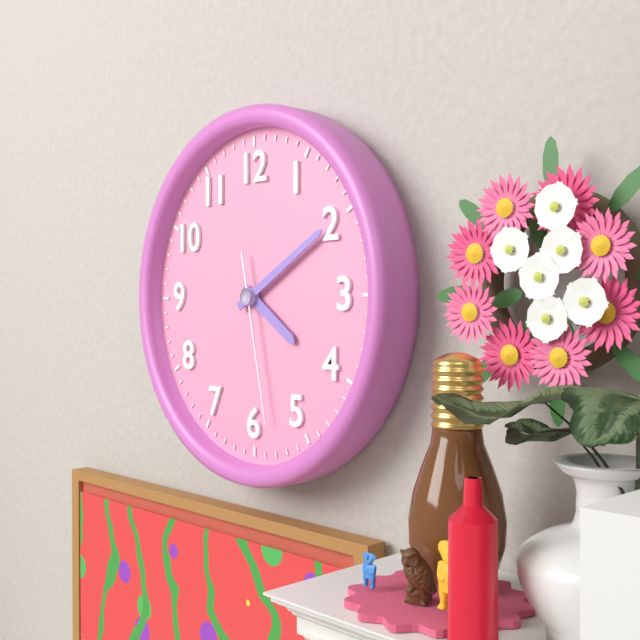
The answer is 4:10:28
